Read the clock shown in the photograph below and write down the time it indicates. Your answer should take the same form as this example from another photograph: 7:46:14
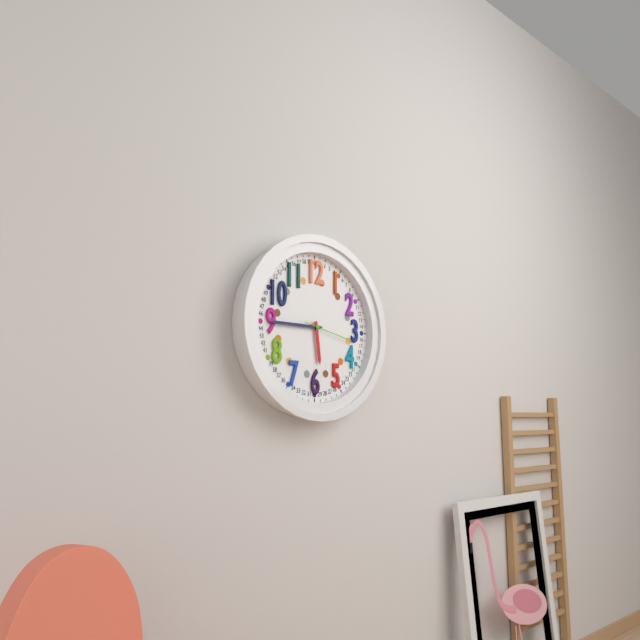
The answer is 5:45:17
